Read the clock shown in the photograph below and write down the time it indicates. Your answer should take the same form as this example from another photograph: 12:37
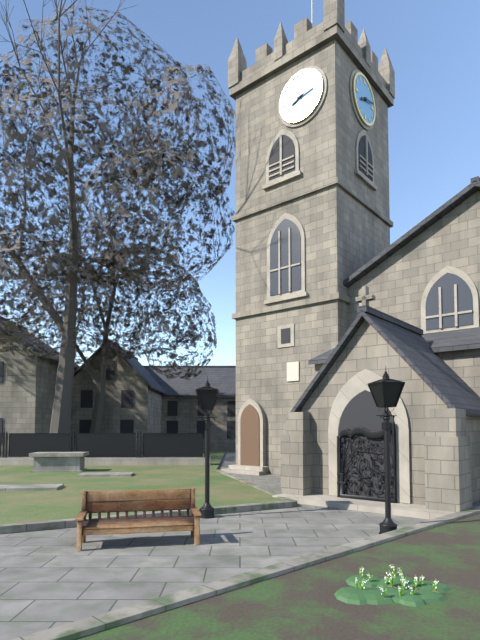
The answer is 8:13
